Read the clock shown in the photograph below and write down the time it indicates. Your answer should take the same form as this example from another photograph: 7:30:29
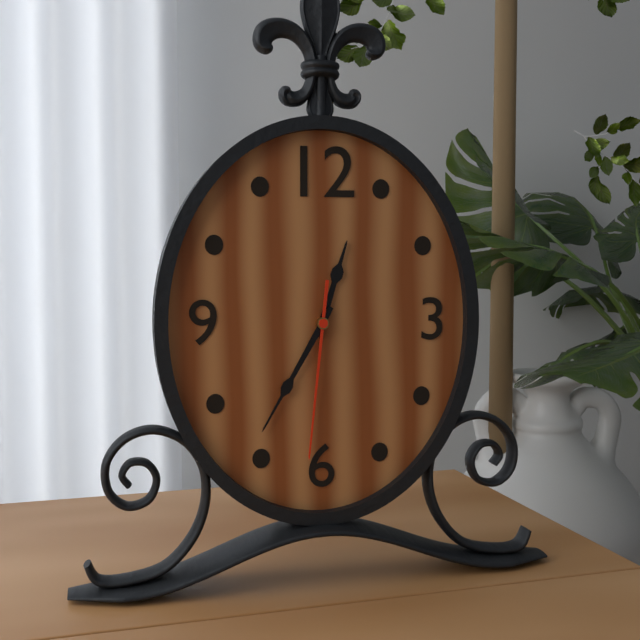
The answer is 12:35:31
